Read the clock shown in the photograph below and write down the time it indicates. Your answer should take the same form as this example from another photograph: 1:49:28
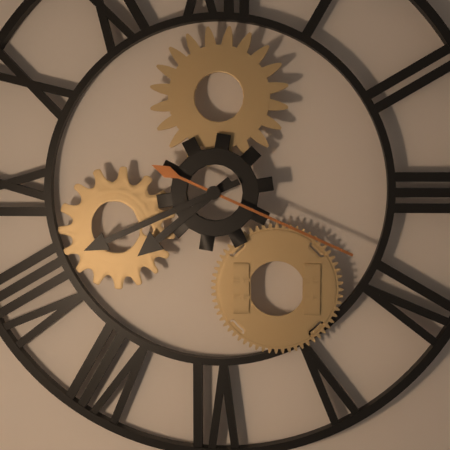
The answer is 7:41:19
